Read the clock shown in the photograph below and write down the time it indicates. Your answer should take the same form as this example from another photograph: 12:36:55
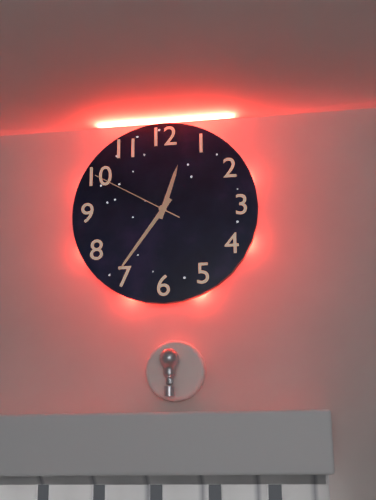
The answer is 12:36:50
